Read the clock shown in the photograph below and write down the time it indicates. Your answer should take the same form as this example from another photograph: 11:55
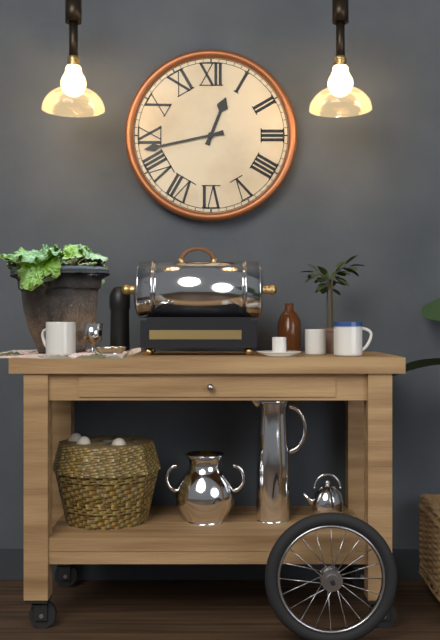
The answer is 12:43
